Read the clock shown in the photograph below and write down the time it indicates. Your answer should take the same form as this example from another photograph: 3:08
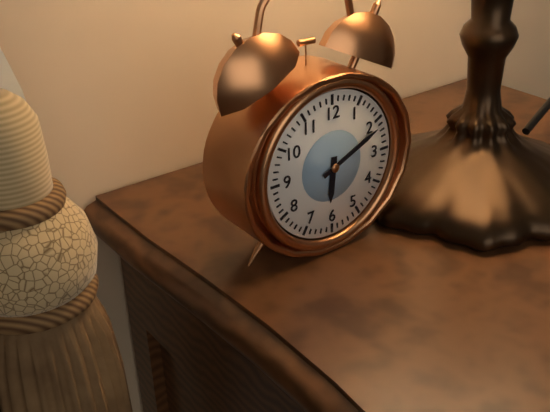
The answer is 6:11
